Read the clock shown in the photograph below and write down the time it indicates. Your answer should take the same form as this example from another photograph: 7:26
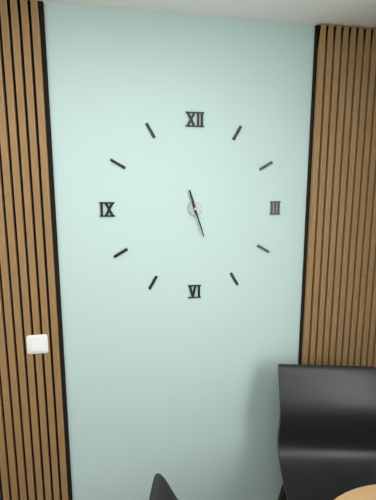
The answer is 11:27
